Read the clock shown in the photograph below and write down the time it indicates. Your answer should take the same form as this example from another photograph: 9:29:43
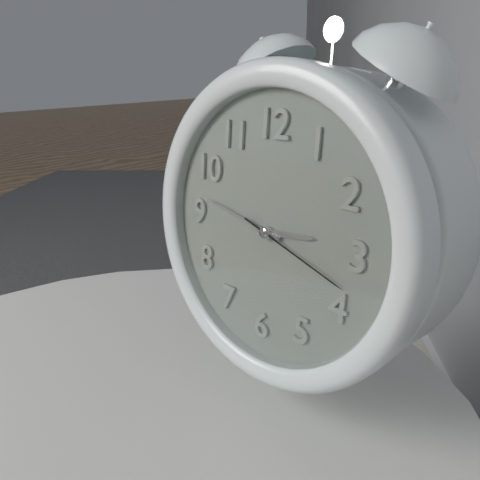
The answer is 2:47:18
